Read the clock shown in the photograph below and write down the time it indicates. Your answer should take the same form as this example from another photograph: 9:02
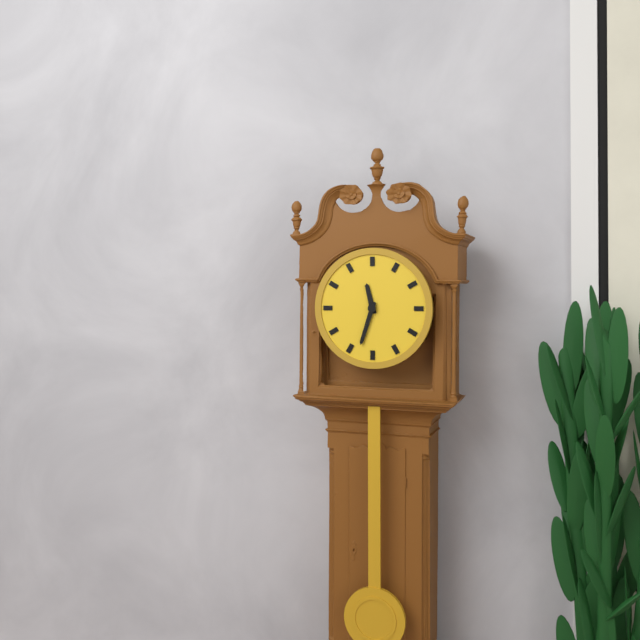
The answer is 11:33
